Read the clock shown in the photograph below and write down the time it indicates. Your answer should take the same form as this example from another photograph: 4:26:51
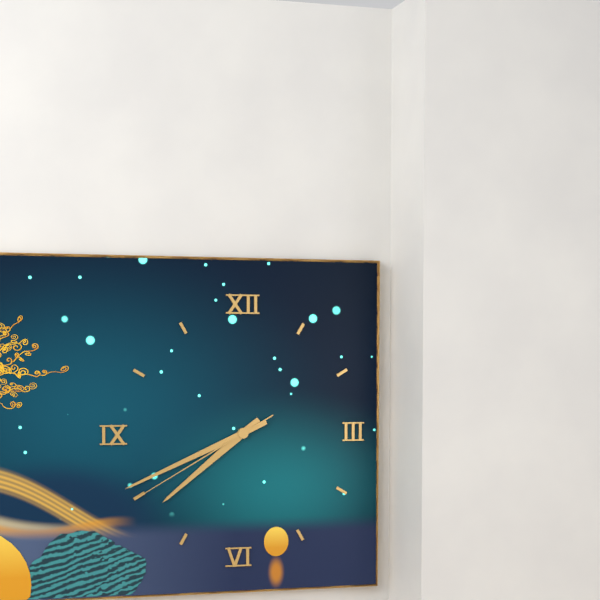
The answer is 7:41:40
